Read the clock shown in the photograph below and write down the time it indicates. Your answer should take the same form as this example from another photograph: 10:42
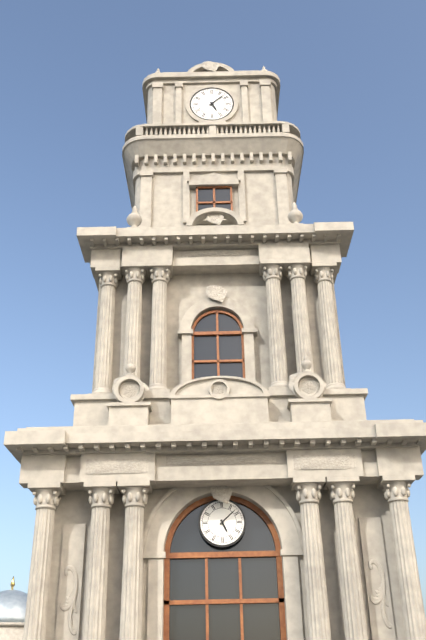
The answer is 5:08
